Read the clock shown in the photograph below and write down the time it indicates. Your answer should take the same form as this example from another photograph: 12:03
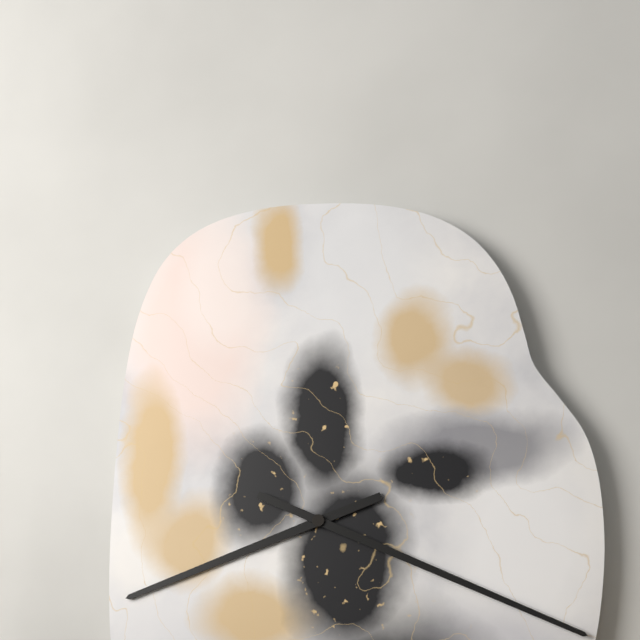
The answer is 8:19
